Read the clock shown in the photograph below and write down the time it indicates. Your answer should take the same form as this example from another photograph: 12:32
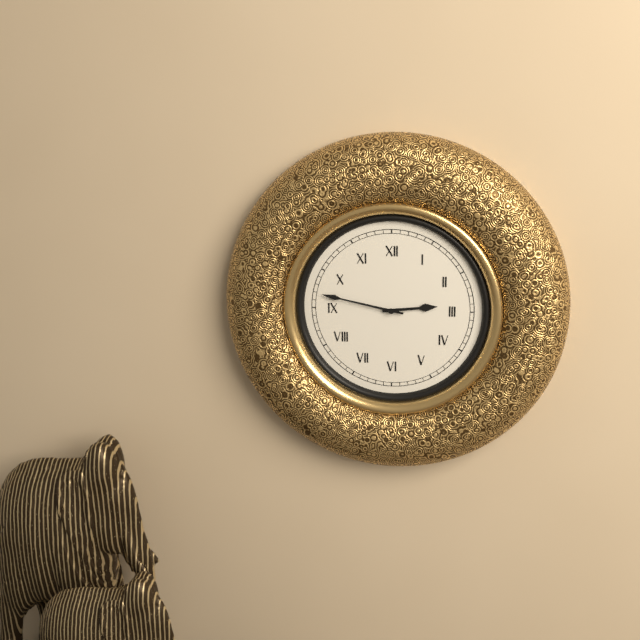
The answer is 2:47
